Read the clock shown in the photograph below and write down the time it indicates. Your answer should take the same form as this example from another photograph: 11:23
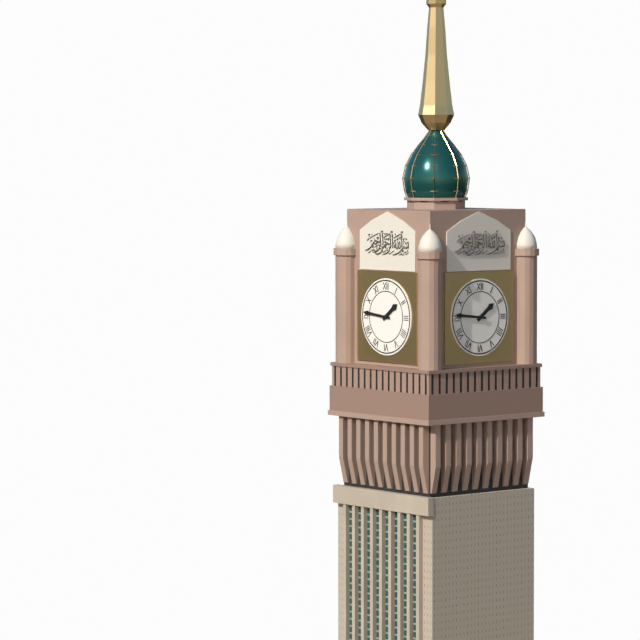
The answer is 1:46
